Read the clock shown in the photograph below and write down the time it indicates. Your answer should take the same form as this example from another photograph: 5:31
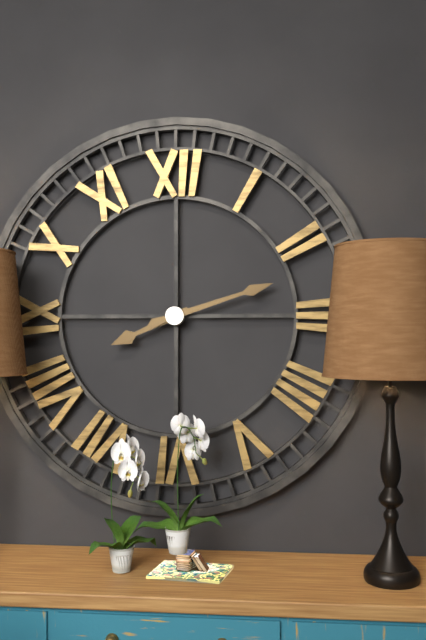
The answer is 8:12
